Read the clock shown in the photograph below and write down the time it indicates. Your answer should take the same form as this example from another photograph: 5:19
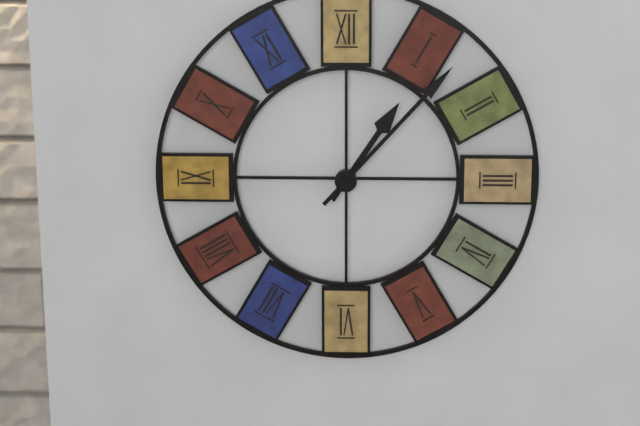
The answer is 1:07
